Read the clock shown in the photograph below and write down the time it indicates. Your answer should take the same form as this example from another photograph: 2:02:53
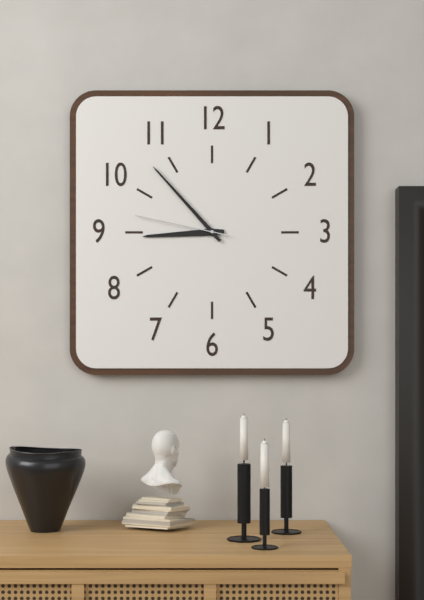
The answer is 8:53:47
